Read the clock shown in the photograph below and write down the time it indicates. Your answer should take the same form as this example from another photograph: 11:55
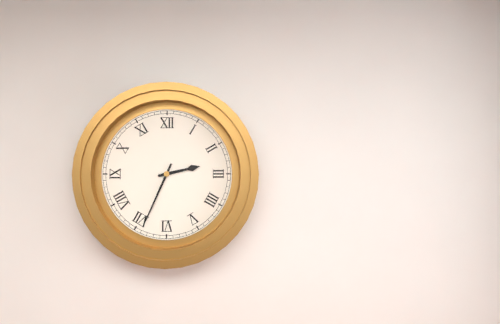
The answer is 2:34
